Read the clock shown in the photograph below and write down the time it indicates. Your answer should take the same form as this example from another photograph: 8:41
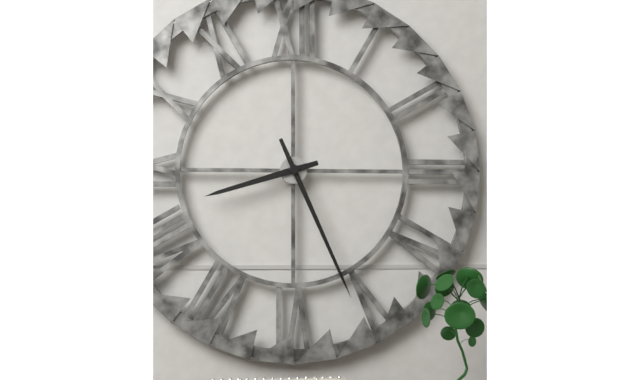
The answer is 8:26
